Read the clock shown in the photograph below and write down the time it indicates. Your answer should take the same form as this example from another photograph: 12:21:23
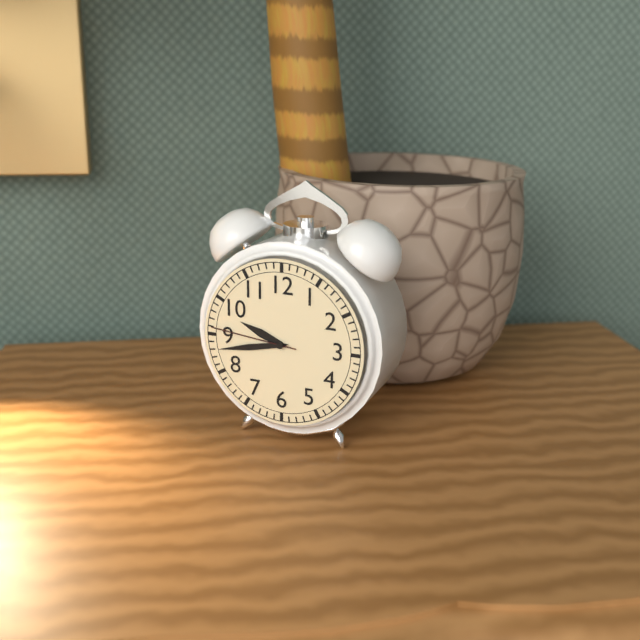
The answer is 9:43:46
